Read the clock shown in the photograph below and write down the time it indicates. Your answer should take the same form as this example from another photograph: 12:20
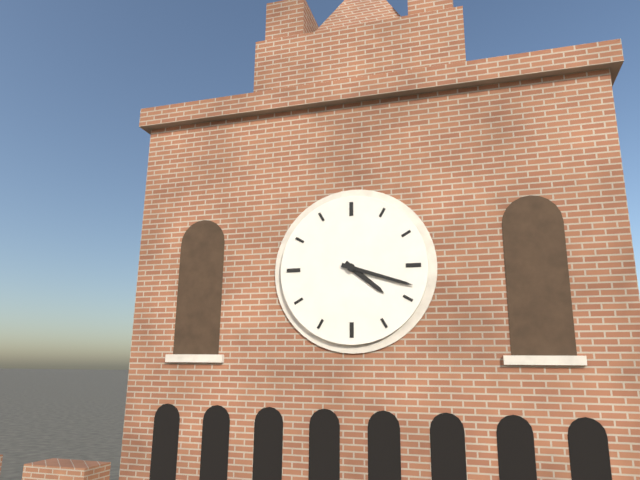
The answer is 4:18
